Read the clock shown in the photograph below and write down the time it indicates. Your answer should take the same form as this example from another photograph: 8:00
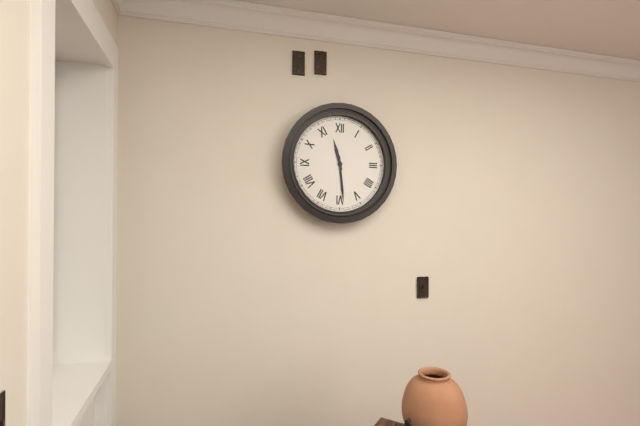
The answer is 11:29
